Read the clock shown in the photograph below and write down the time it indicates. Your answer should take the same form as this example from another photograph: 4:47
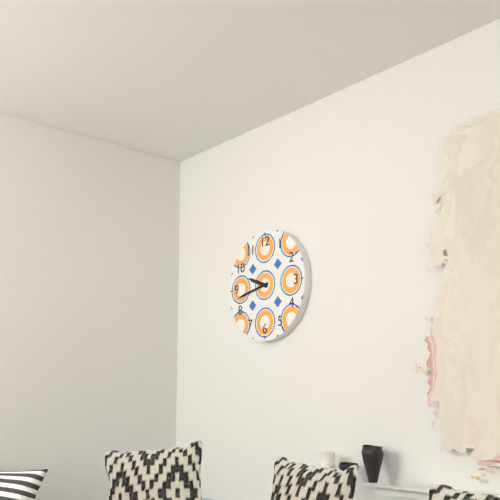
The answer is 9:43
